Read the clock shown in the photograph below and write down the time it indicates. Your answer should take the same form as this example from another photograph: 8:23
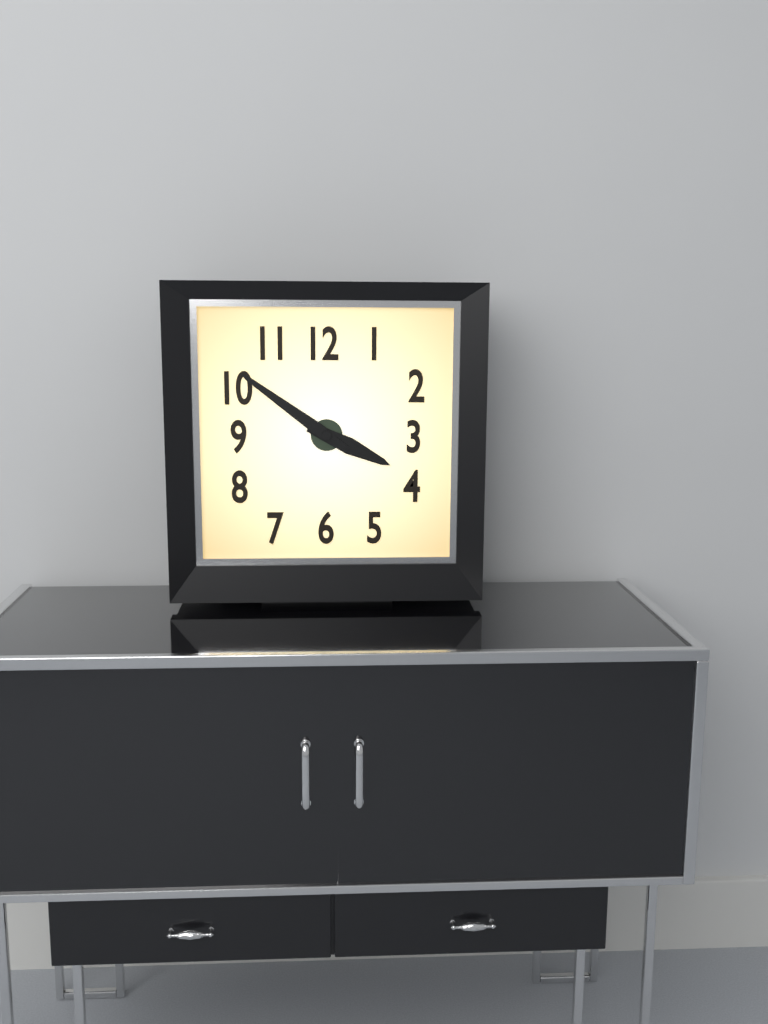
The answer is 3:51
